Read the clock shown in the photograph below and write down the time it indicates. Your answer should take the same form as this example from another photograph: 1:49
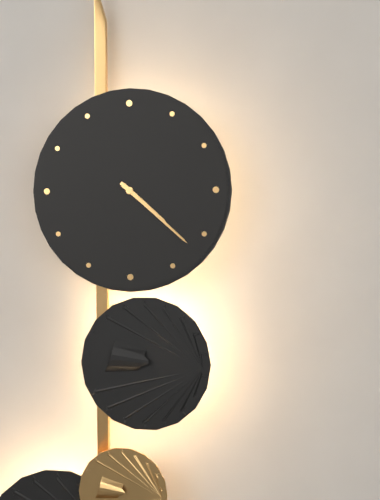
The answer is 4:22
